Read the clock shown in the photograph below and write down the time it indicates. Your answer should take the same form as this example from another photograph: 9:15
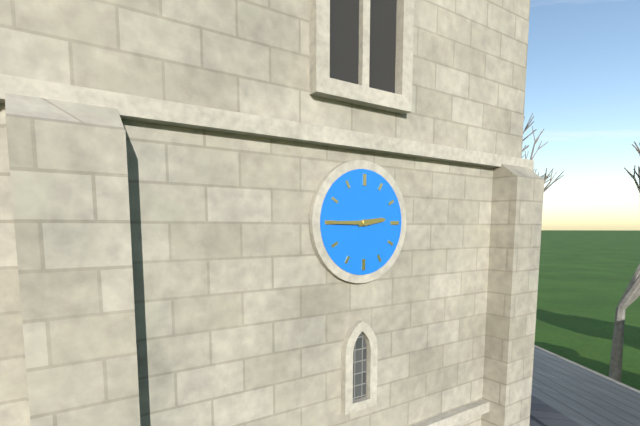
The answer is 2:45
